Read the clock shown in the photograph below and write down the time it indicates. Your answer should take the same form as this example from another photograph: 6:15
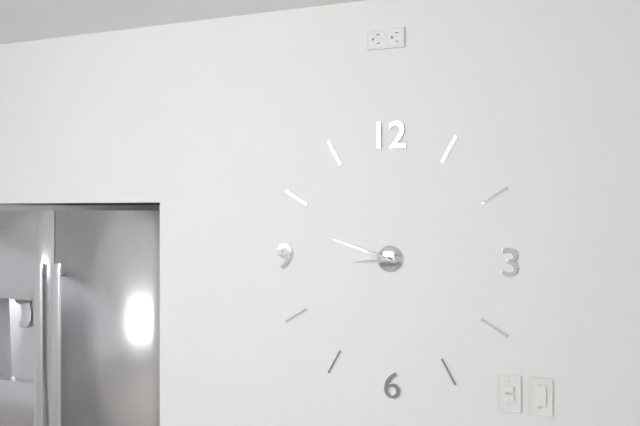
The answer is 8:48
